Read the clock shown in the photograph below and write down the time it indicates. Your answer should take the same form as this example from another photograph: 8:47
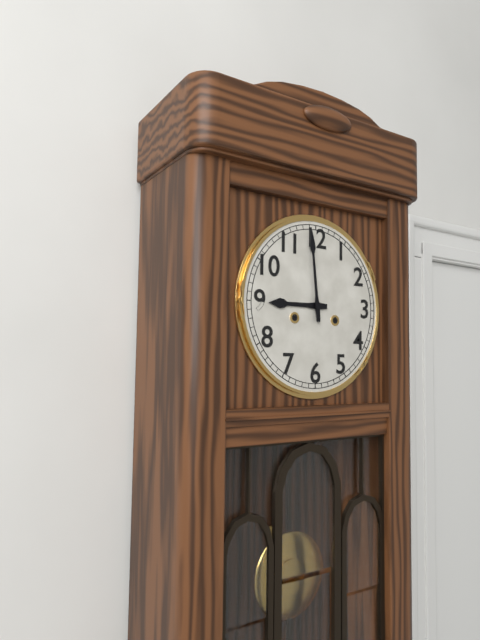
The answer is 8:59
